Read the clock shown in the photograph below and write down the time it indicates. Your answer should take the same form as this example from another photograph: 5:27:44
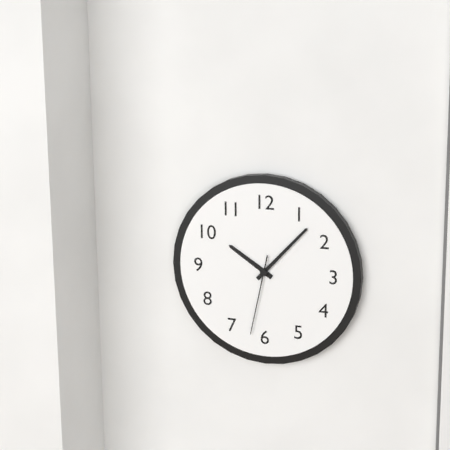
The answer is 10:07:32
